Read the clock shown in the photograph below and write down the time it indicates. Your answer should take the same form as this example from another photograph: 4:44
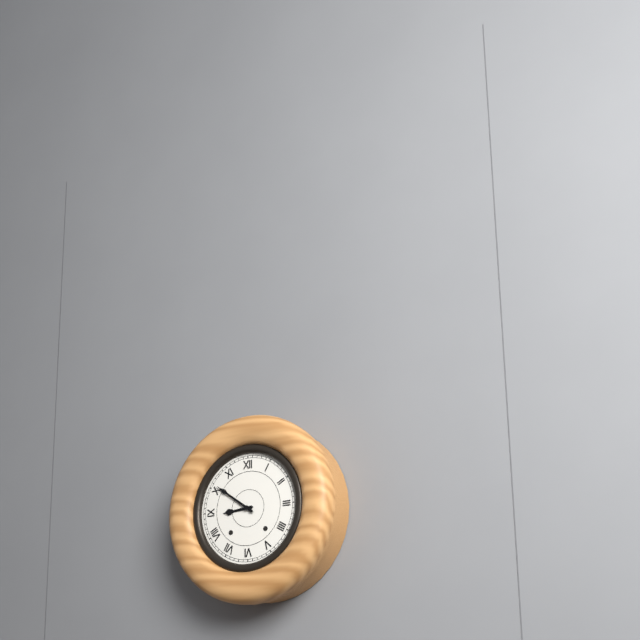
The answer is 8:51
